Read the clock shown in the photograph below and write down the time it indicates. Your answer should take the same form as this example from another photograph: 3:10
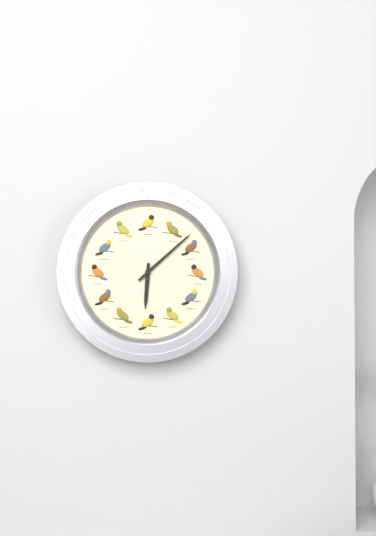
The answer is 6:08
